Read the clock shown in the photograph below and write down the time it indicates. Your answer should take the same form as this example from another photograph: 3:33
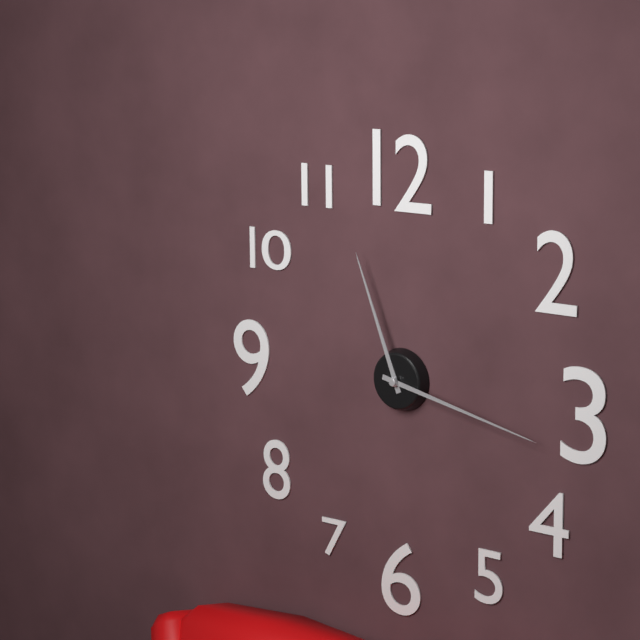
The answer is 11:17
